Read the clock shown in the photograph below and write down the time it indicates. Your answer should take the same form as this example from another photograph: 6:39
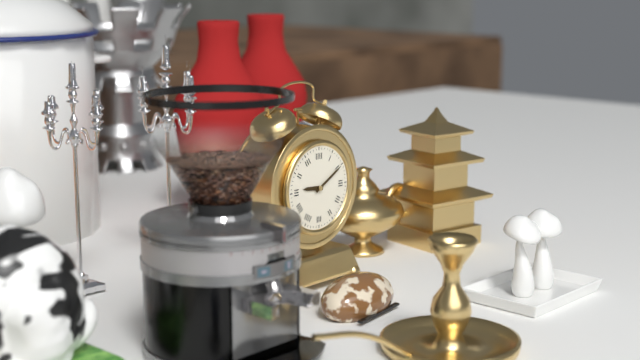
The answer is 9:10
